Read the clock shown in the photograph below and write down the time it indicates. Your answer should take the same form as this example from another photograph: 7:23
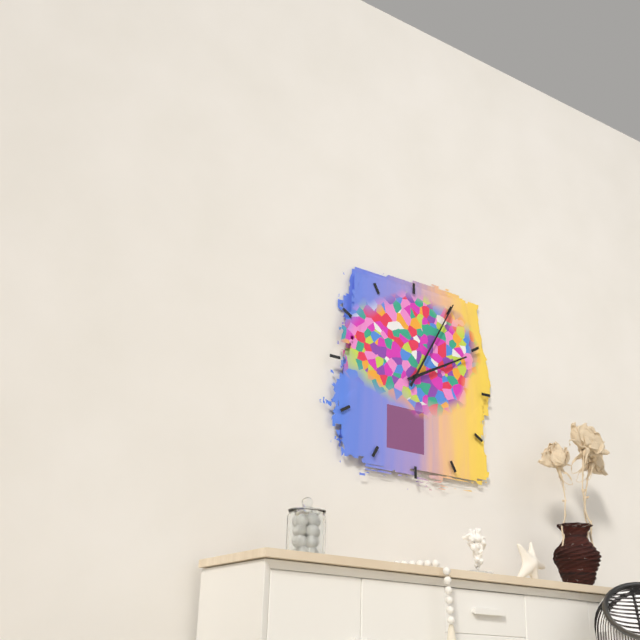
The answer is 2:05
